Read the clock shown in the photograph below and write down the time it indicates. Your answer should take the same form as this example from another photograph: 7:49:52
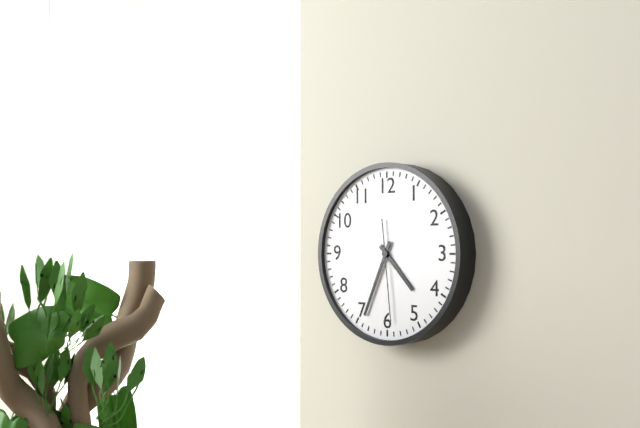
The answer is 4:34:29
